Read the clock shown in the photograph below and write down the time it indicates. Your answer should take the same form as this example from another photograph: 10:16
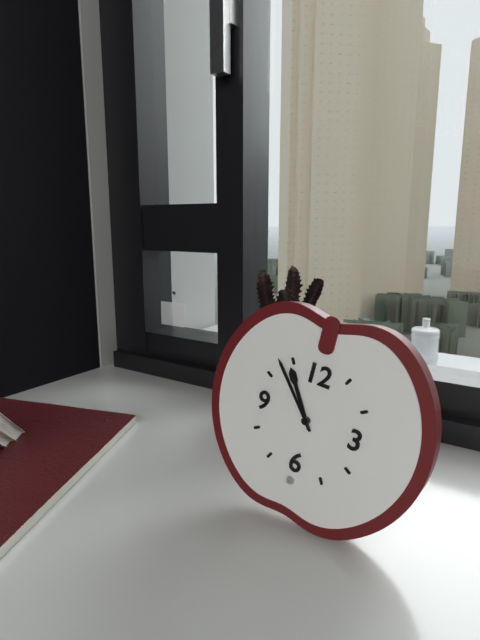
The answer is 10:53
